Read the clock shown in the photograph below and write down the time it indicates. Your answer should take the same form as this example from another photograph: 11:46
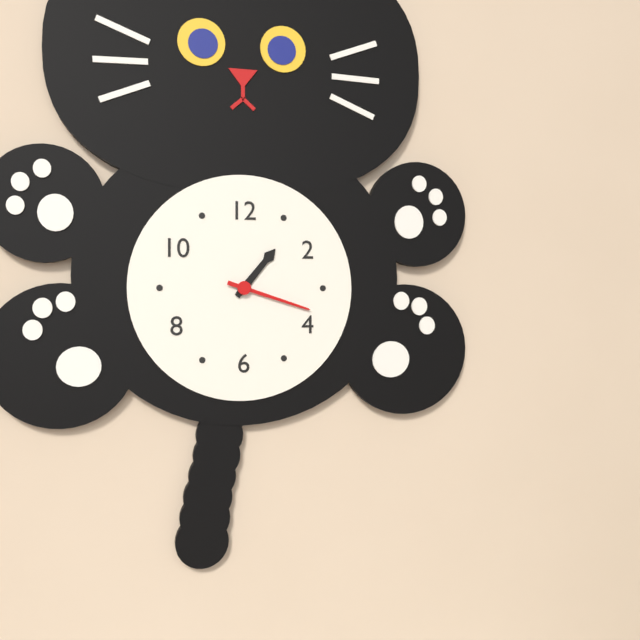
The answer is 1:18
